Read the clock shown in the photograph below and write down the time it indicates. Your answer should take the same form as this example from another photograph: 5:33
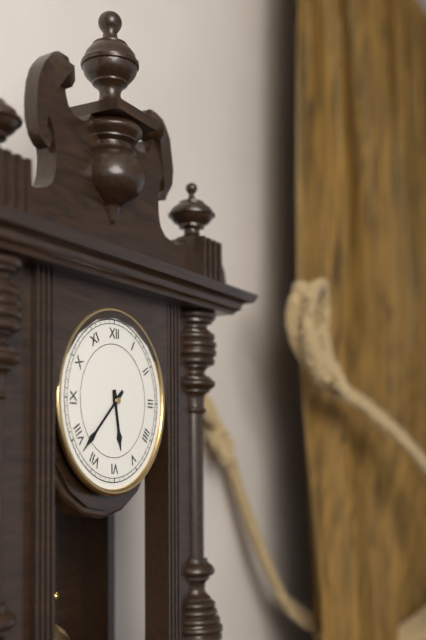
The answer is 5:38
